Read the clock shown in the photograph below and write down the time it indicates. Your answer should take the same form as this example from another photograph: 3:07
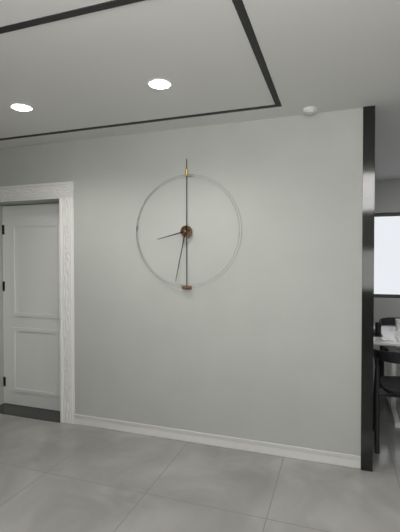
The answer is 8:32
